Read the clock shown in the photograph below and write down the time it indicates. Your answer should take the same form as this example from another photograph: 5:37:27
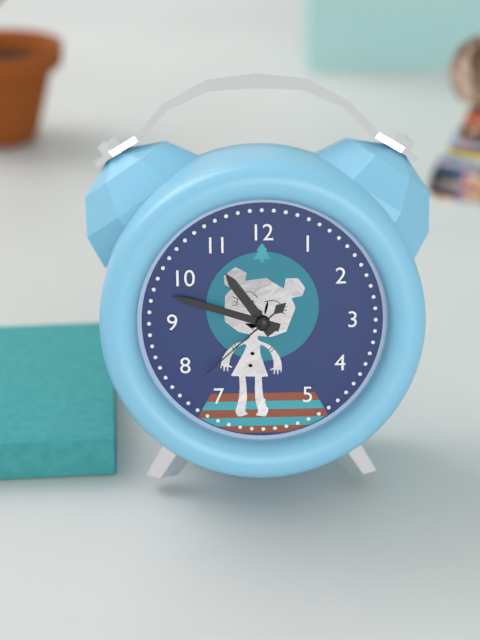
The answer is 10:48:38
